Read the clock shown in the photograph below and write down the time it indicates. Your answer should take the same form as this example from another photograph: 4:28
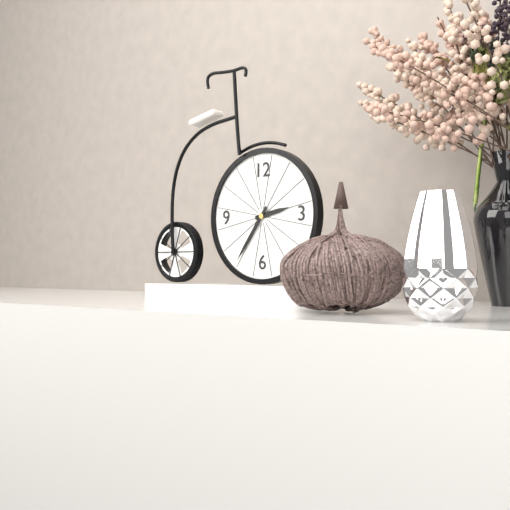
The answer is 2:36
